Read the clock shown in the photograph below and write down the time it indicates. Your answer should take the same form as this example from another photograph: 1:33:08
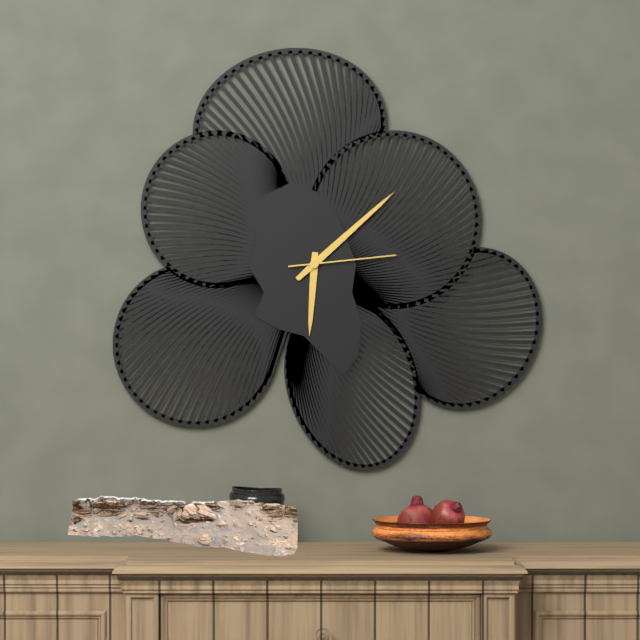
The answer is 6:08:14
